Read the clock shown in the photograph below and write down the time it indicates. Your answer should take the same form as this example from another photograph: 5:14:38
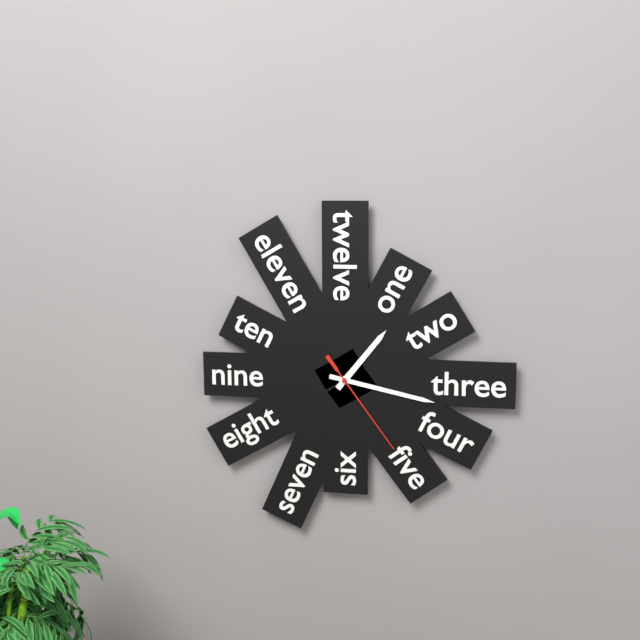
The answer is 1:17:24
